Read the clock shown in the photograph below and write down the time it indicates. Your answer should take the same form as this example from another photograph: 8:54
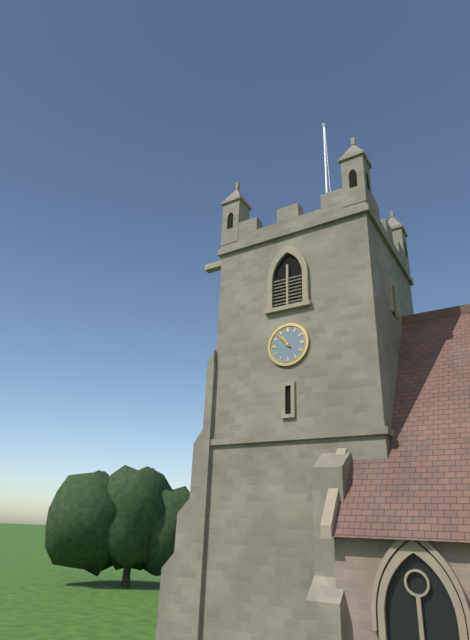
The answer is 10:53
